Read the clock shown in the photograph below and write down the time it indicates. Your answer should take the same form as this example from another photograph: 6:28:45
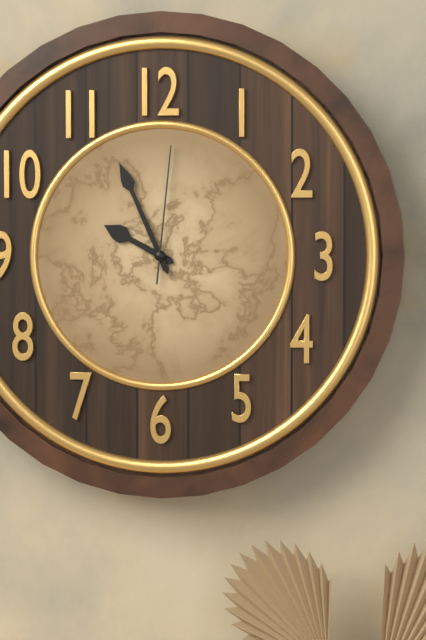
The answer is 9:56:01
